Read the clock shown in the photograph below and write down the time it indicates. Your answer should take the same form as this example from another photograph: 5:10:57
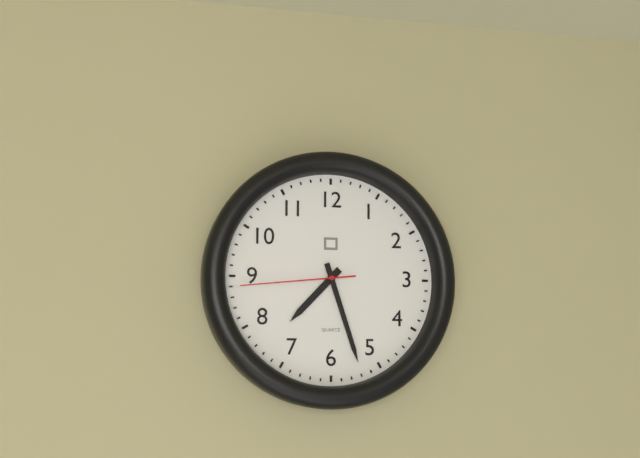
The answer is 7:27:44
